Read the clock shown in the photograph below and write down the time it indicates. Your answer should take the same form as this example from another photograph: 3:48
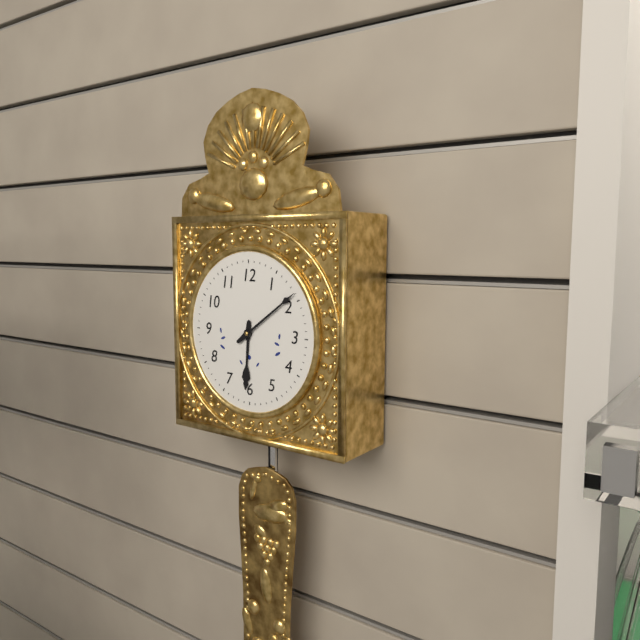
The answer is 6:09
